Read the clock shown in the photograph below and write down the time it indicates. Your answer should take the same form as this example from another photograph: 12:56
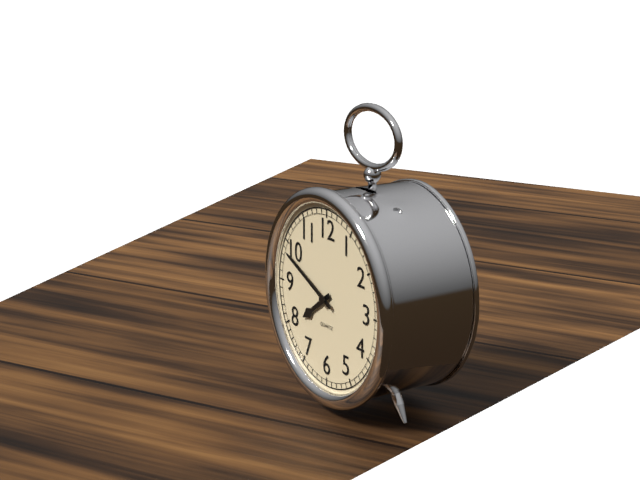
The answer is 7:49
